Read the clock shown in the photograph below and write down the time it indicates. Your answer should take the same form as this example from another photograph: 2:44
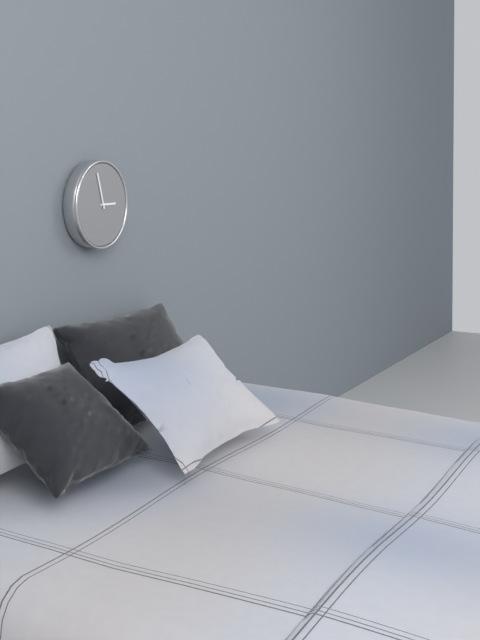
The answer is 2:57
